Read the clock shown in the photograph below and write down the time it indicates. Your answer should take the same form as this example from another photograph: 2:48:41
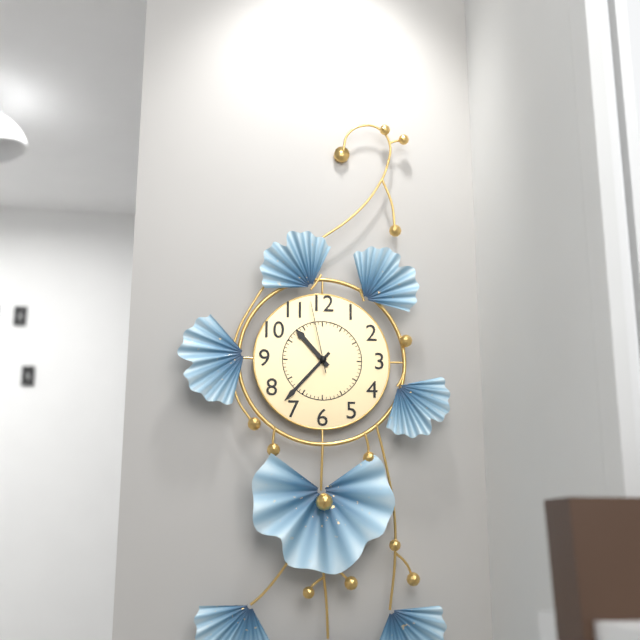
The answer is 10:37:58
